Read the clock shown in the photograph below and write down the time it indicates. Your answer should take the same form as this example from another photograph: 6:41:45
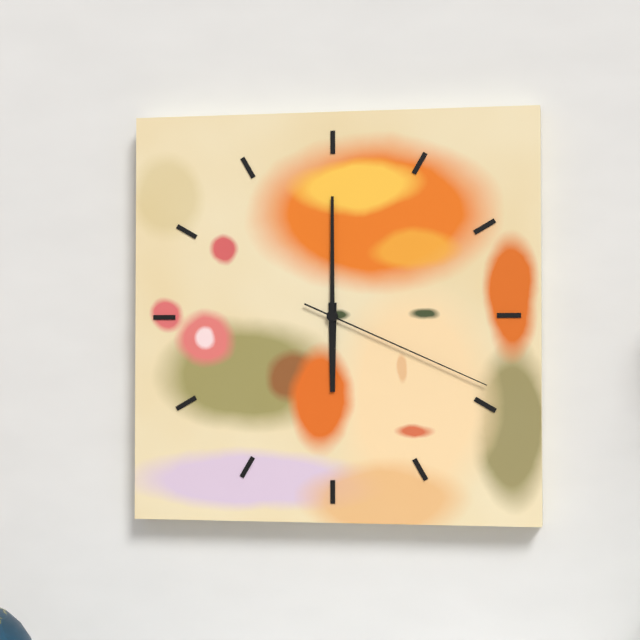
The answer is 6:00:19
